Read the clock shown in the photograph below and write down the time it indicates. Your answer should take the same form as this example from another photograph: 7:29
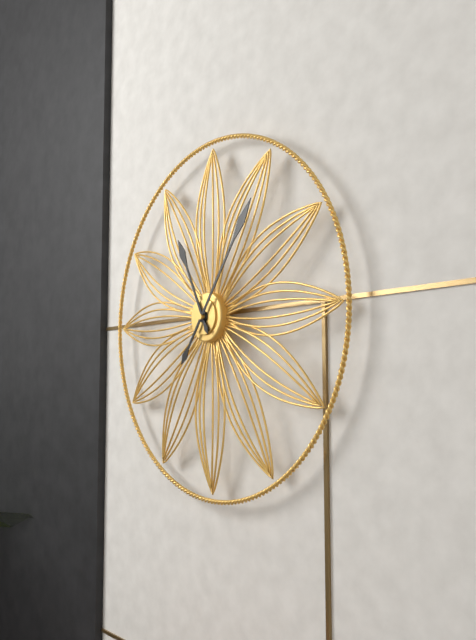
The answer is 11:06
